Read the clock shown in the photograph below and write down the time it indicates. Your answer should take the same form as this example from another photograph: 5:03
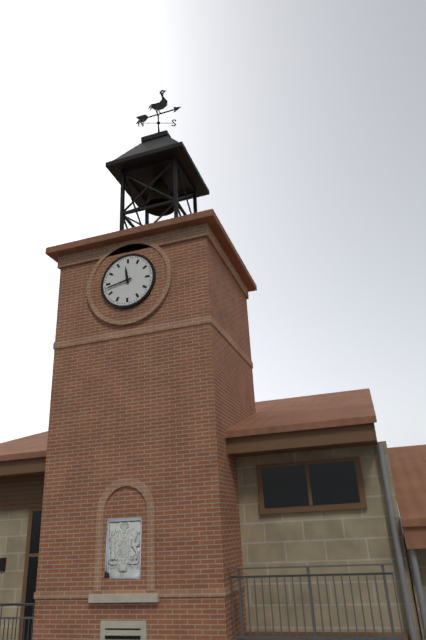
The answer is 11:43
